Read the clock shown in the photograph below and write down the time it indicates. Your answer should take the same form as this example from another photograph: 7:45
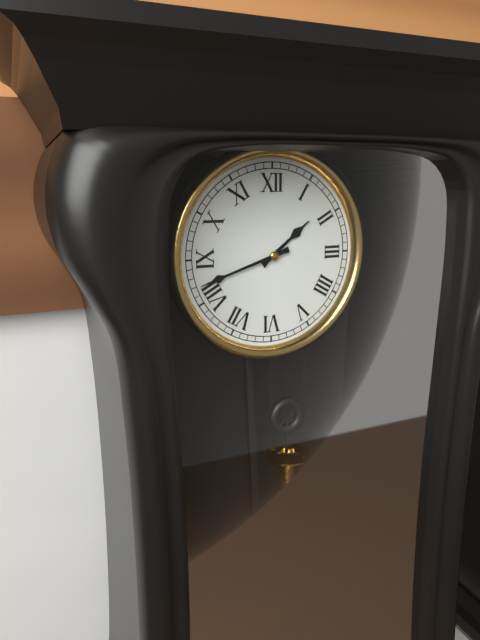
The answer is 1:42
